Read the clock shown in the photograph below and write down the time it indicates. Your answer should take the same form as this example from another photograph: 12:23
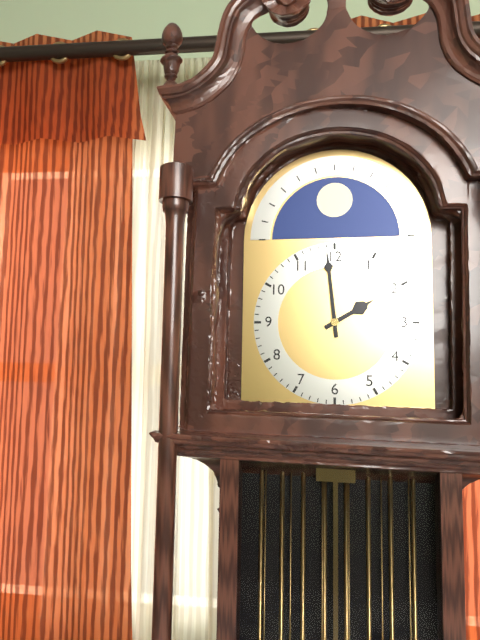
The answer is 1:59
